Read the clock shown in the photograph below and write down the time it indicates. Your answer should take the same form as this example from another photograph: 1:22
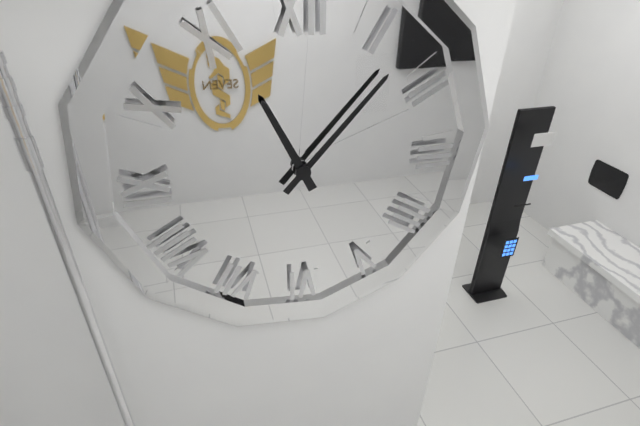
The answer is 11:07
